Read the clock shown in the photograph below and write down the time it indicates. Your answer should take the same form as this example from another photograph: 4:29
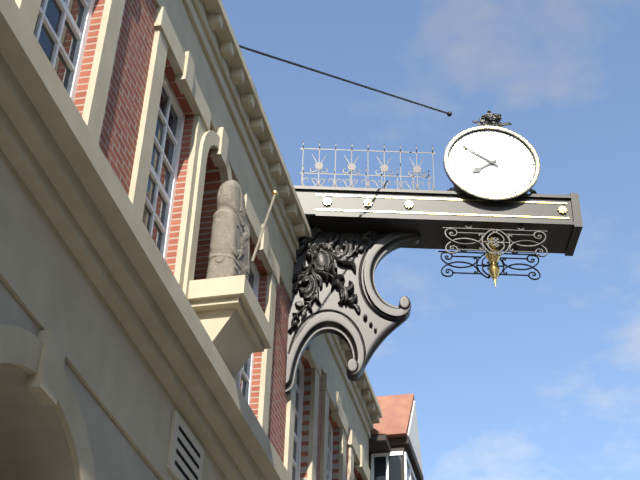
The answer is 7:51
